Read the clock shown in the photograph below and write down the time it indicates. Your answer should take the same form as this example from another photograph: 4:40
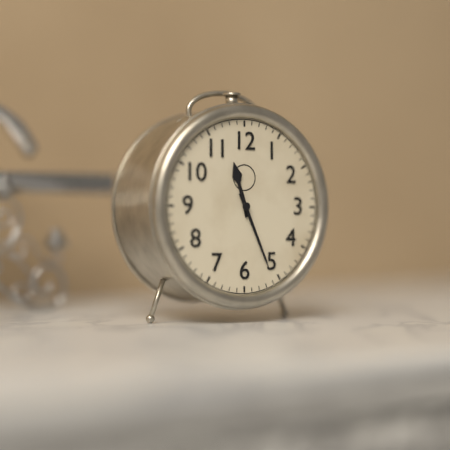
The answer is 11:26
